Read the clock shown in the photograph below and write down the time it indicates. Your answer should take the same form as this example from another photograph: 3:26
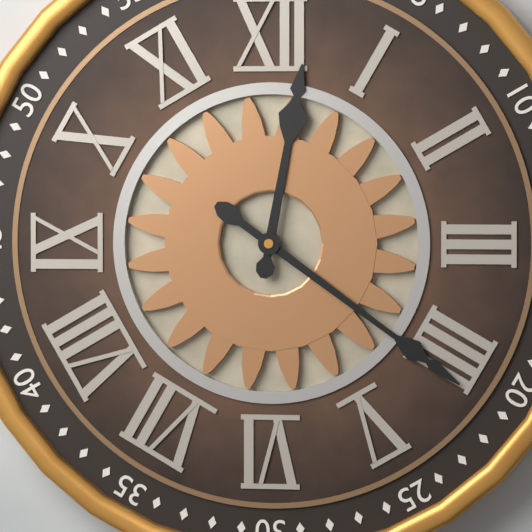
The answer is 12:21
